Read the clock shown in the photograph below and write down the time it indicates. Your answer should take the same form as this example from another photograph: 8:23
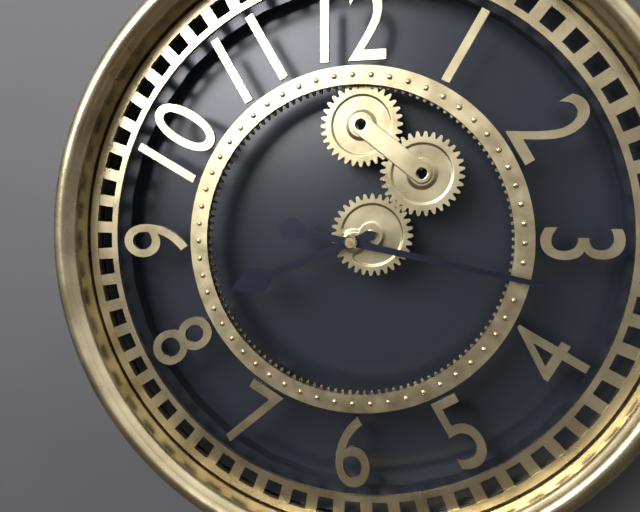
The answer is 8:17
